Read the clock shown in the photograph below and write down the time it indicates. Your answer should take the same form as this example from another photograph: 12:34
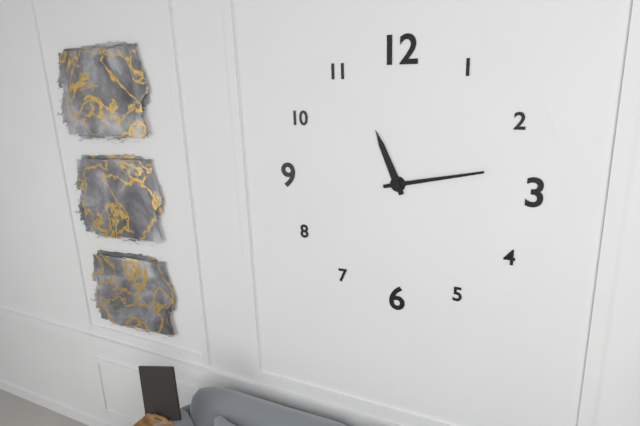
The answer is 11:13
